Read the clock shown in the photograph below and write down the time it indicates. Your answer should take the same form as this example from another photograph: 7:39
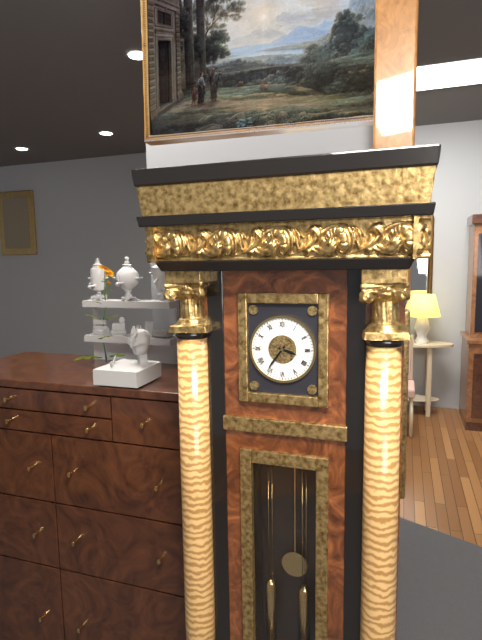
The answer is 3:36
